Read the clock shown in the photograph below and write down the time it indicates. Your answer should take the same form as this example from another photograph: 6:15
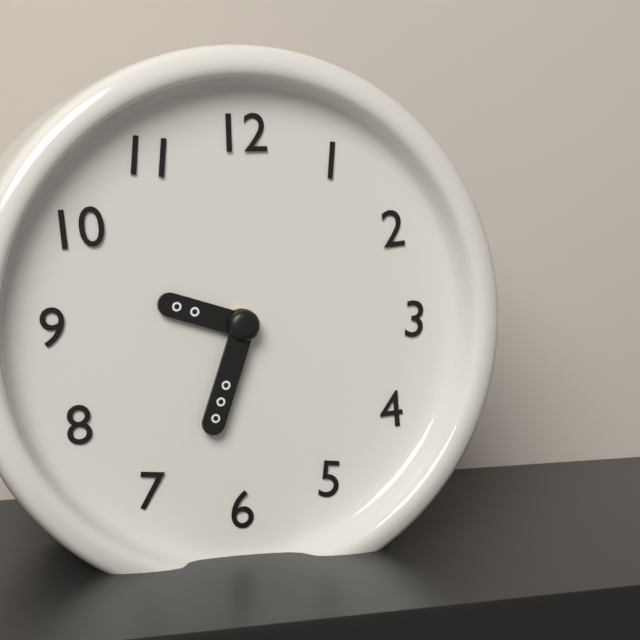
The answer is 9:33
